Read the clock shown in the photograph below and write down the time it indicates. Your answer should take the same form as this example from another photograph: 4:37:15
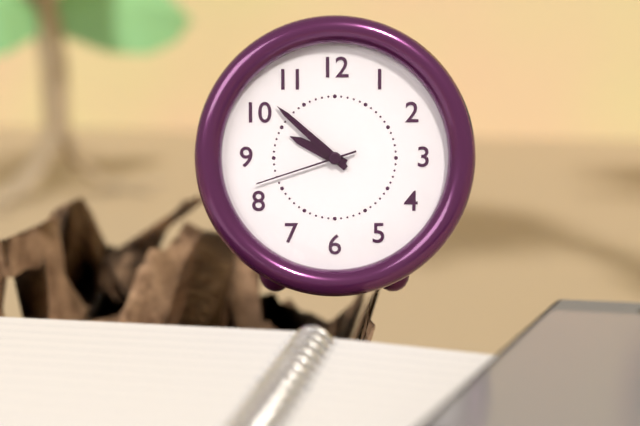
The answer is 9:52:42
